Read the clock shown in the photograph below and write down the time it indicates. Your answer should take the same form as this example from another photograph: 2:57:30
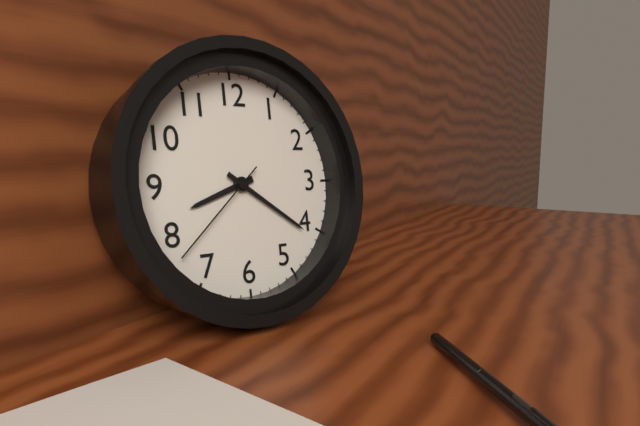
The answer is 8:21:38
